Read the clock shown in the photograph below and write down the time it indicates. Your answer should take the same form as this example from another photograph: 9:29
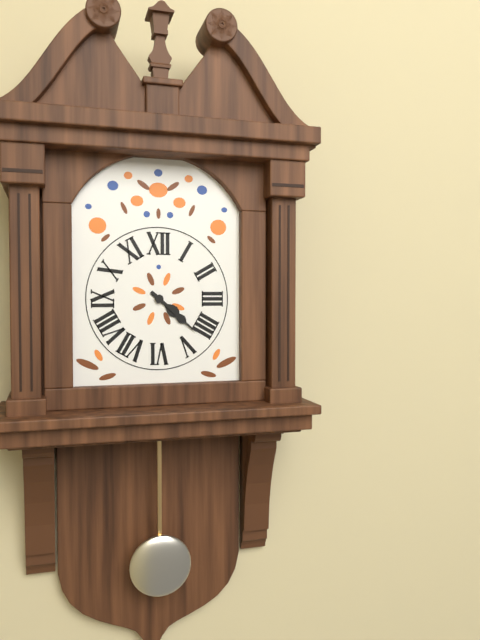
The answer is 4:22
